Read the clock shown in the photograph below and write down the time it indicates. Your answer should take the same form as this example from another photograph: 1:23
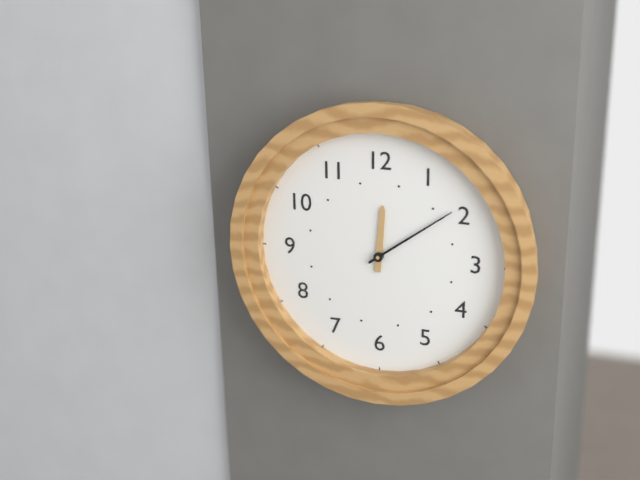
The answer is 12:09
